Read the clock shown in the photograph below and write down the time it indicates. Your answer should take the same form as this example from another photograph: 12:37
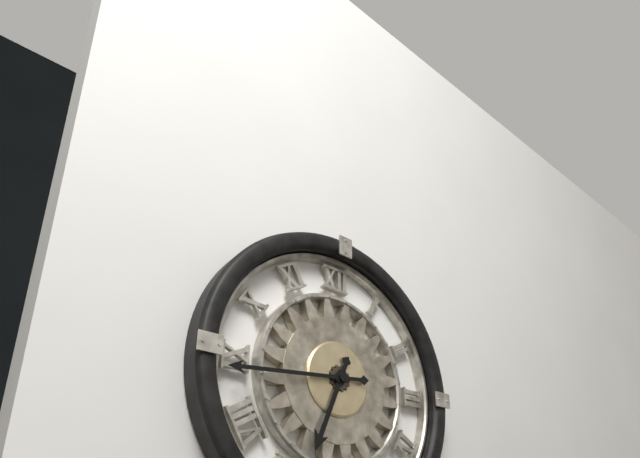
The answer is 6:44
